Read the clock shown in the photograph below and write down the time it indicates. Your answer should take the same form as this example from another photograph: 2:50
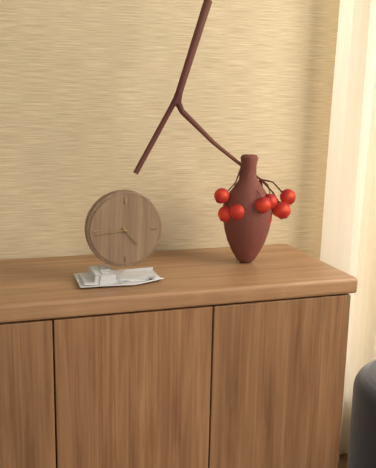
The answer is 4:44
